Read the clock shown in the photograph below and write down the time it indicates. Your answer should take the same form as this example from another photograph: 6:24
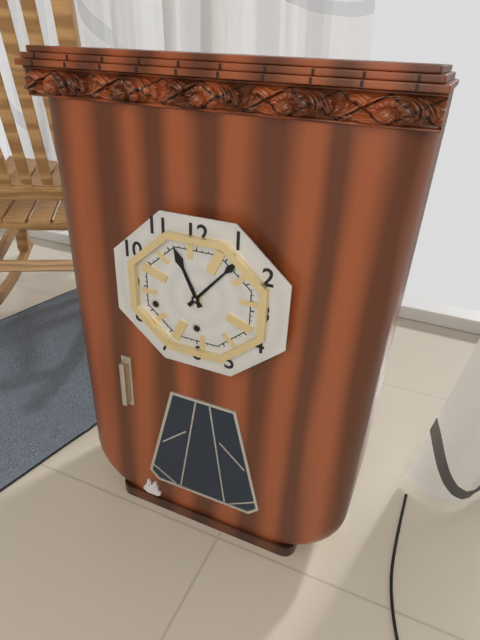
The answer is 11:07
